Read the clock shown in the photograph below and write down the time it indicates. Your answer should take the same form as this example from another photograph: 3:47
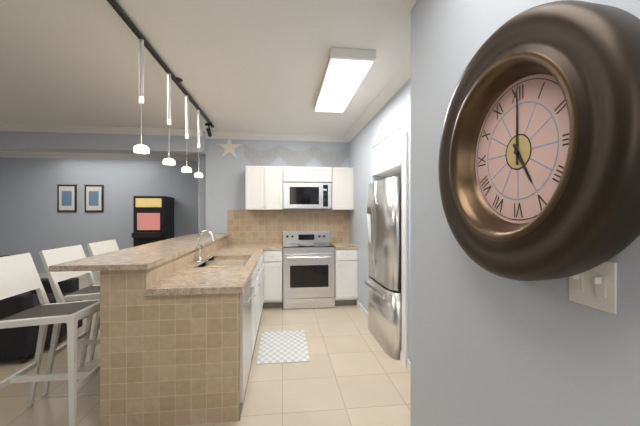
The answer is 5:00
